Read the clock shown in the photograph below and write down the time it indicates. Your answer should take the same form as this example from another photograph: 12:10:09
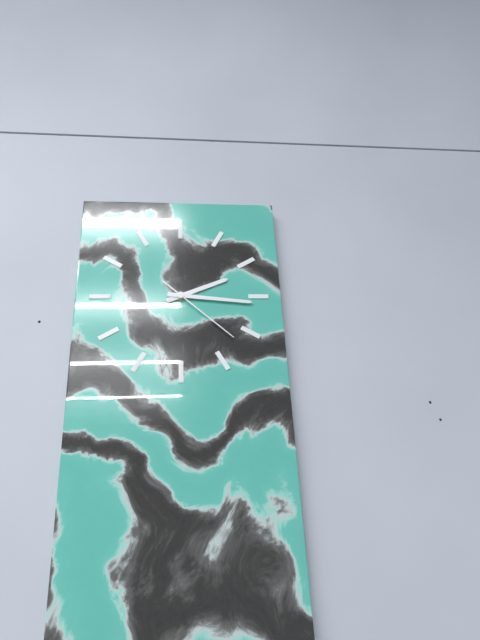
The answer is 2:16:22
